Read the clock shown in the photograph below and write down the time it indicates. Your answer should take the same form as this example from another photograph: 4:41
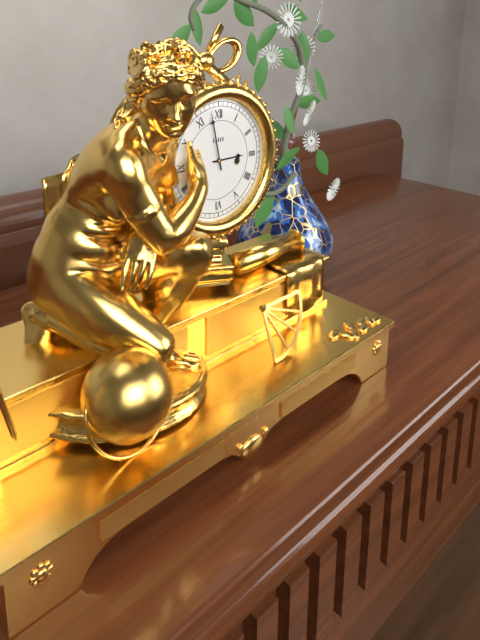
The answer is 2:58
